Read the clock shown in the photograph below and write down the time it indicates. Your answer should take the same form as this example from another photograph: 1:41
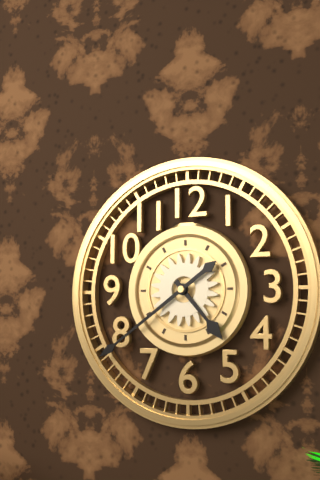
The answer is 4:39
